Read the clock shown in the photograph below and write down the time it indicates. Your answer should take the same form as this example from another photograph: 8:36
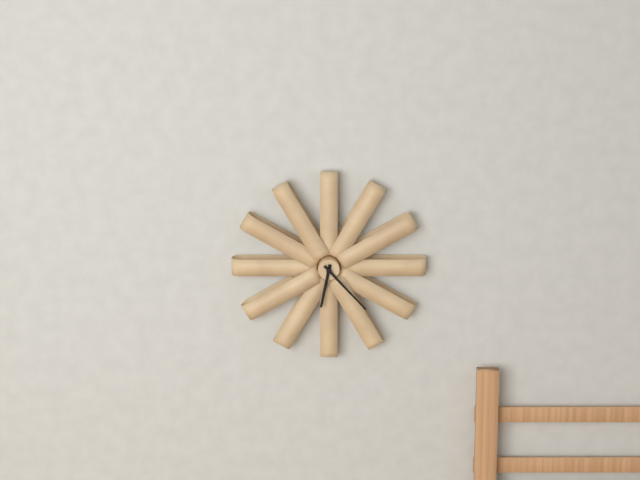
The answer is 6:23
